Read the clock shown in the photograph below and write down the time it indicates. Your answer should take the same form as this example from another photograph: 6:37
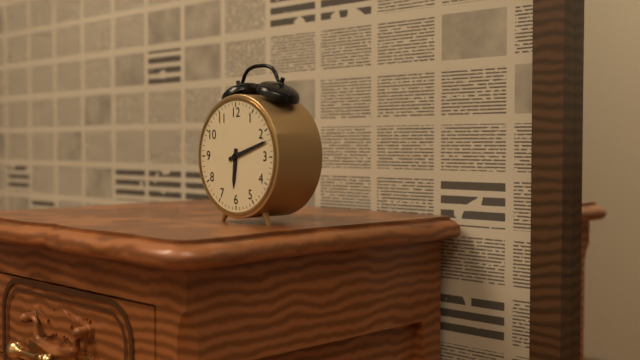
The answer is 6:12
